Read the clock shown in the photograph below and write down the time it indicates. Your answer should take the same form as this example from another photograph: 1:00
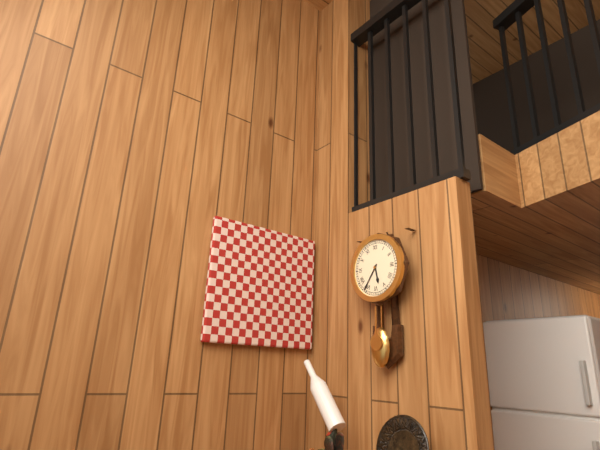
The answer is 5:36
